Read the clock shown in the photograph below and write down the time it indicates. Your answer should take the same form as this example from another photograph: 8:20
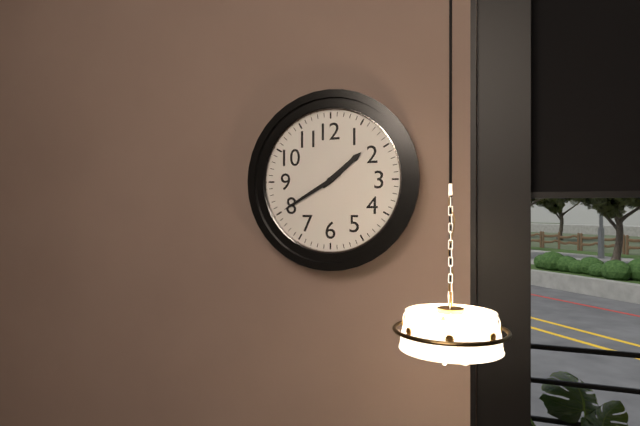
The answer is 1:40
